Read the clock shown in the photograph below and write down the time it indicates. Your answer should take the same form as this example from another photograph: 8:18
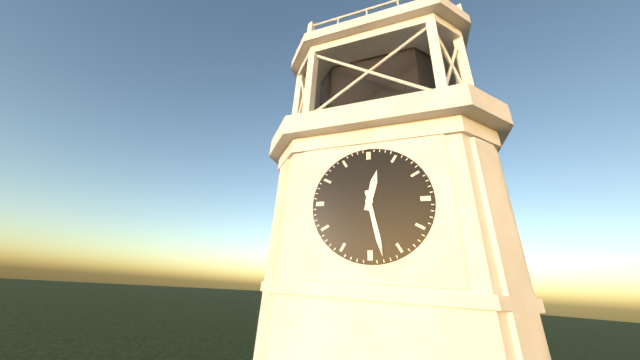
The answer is 12:28
